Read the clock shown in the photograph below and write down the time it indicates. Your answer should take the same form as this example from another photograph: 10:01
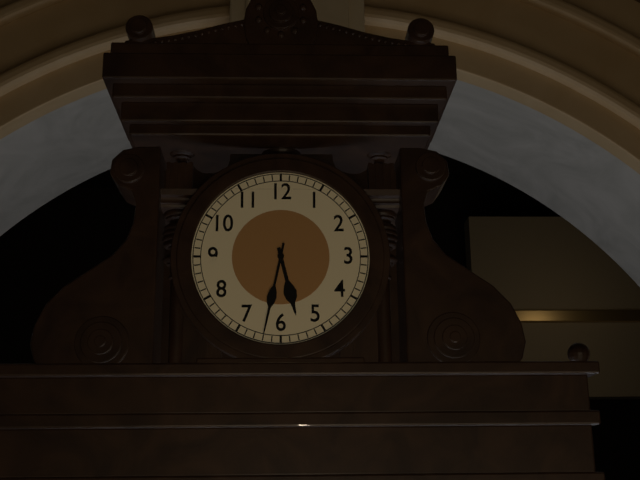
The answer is 5:32
